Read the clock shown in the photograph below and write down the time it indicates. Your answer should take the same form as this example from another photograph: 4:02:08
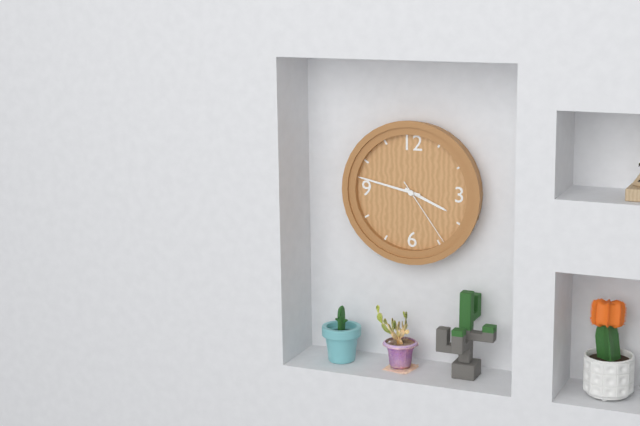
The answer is 3:47:24
